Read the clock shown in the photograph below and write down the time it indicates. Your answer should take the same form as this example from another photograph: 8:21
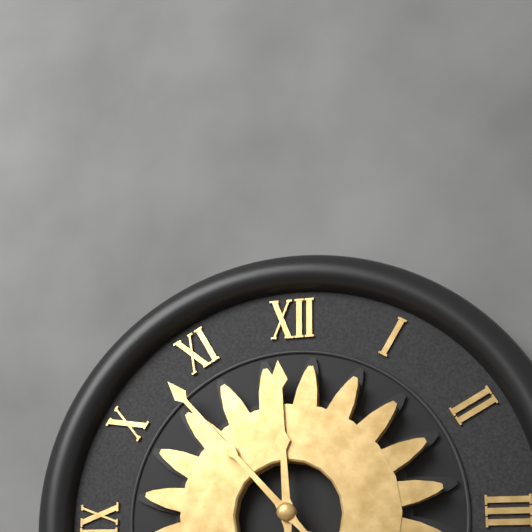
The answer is 11:53
